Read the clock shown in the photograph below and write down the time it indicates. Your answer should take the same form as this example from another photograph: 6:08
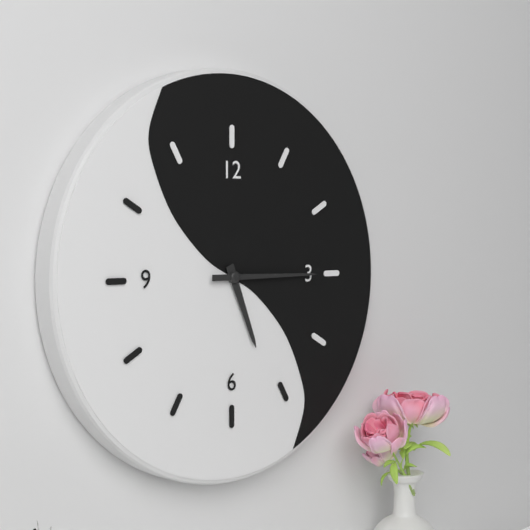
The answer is 5:15
